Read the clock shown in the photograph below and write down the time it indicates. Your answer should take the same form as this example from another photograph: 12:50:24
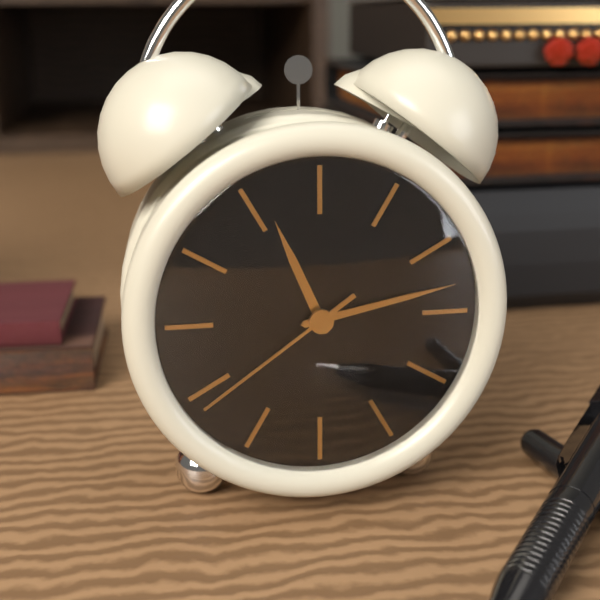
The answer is 11:13:39
